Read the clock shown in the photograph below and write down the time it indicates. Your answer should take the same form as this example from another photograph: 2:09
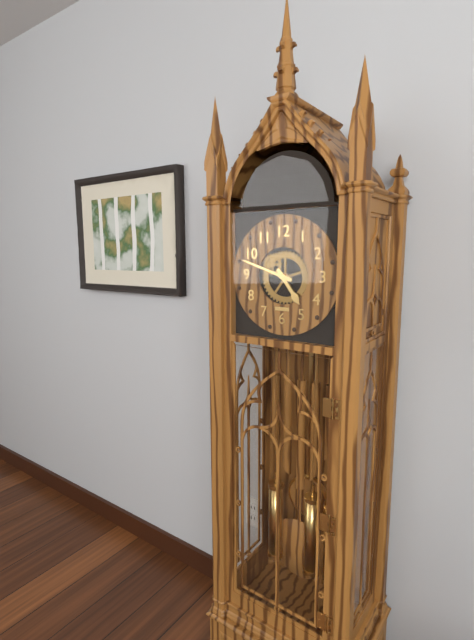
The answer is 4:48
